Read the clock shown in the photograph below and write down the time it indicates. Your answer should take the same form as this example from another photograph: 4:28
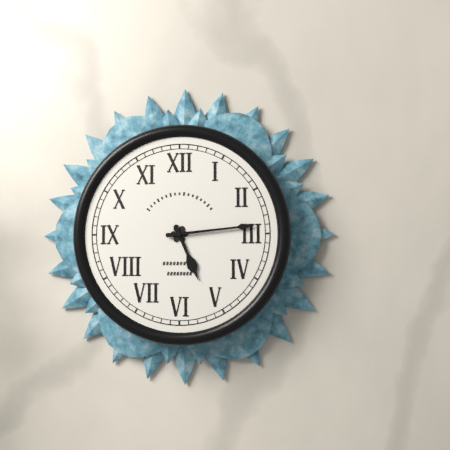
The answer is 5:14
